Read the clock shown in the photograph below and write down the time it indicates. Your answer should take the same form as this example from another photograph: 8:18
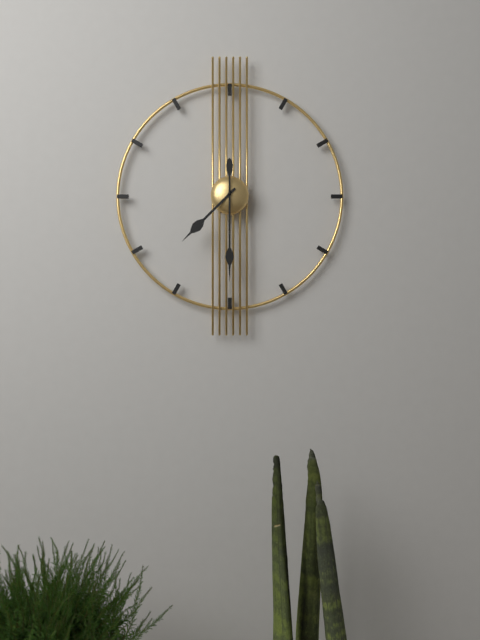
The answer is 7:30
